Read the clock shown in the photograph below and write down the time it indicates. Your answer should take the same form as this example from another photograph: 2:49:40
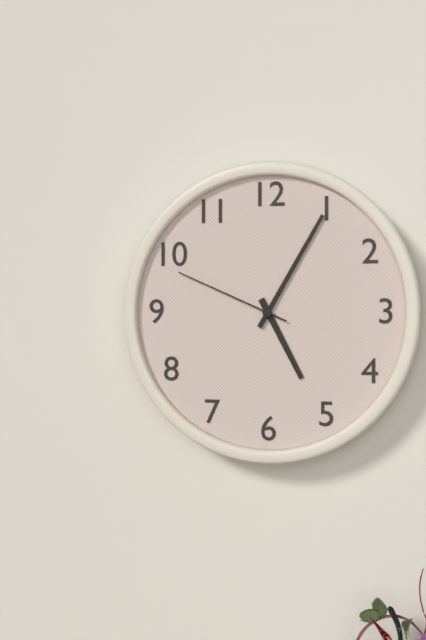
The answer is 5:05:49
